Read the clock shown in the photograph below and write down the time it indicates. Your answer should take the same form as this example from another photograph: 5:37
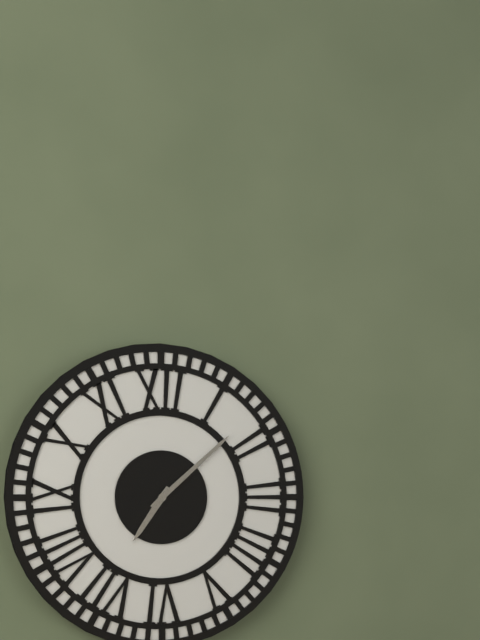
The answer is 7:08
